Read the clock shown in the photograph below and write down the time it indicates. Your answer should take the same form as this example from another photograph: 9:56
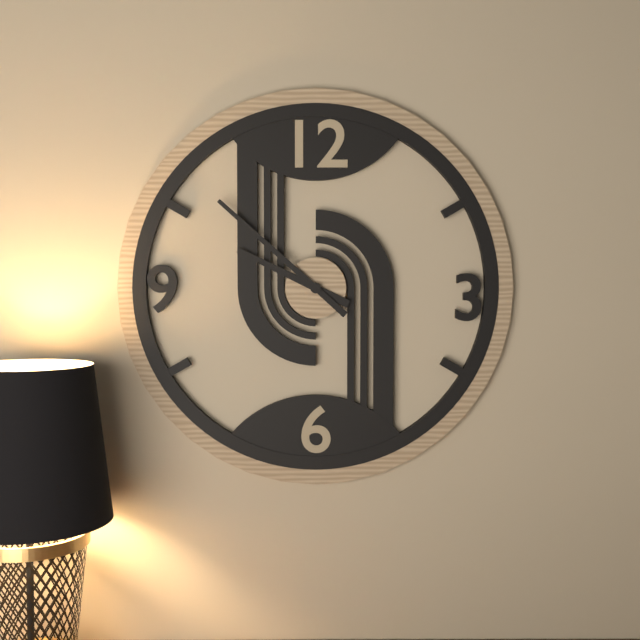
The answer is 9:52
